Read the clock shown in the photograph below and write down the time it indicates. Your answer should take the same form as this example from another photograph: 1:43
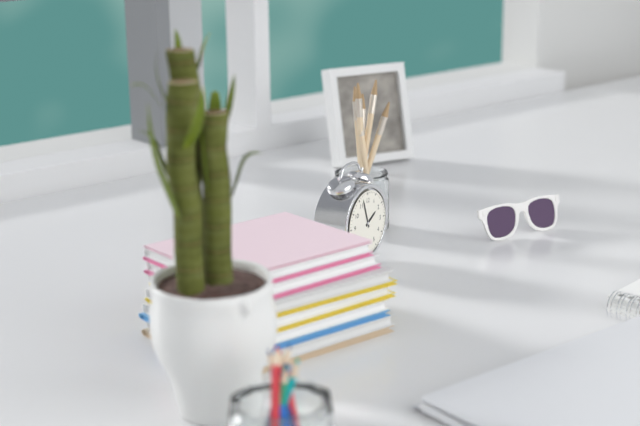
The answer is 1:57
